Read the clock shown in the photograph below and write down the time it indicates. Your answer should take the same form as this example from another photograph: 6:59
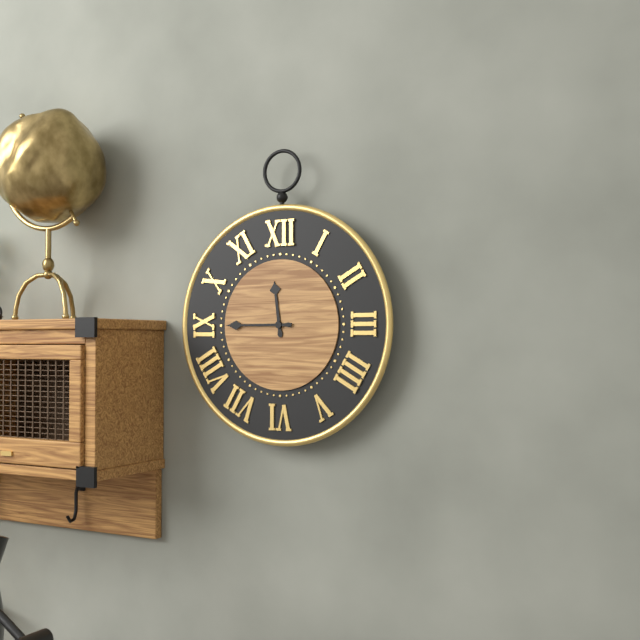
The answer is 11:45
